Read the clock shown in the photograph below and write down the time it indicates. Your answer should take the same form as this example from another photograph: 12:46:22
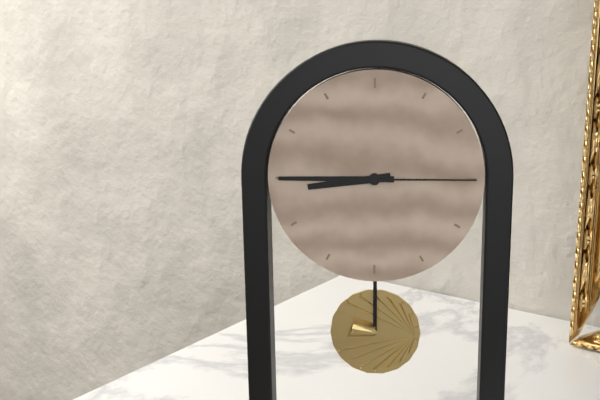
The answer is 8:45:15
